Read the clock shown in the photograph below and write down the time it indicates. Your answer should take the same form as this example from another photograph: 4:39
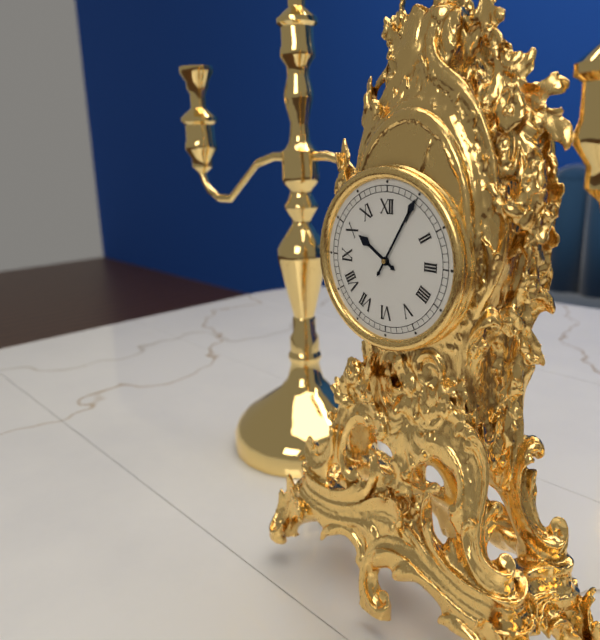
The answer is 10:05
